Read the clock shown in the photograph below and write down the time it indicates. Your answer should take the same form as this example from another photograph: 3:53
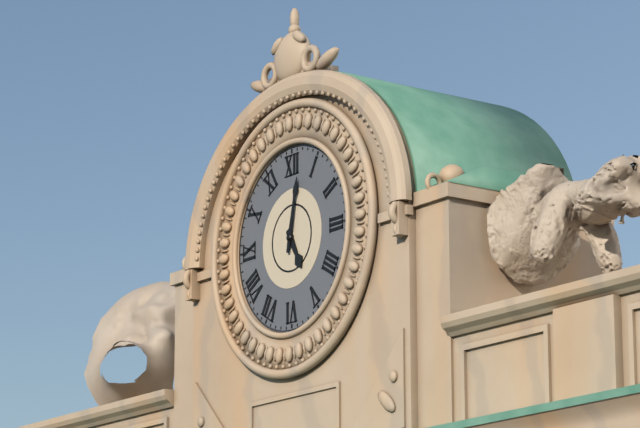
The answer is 5:02
